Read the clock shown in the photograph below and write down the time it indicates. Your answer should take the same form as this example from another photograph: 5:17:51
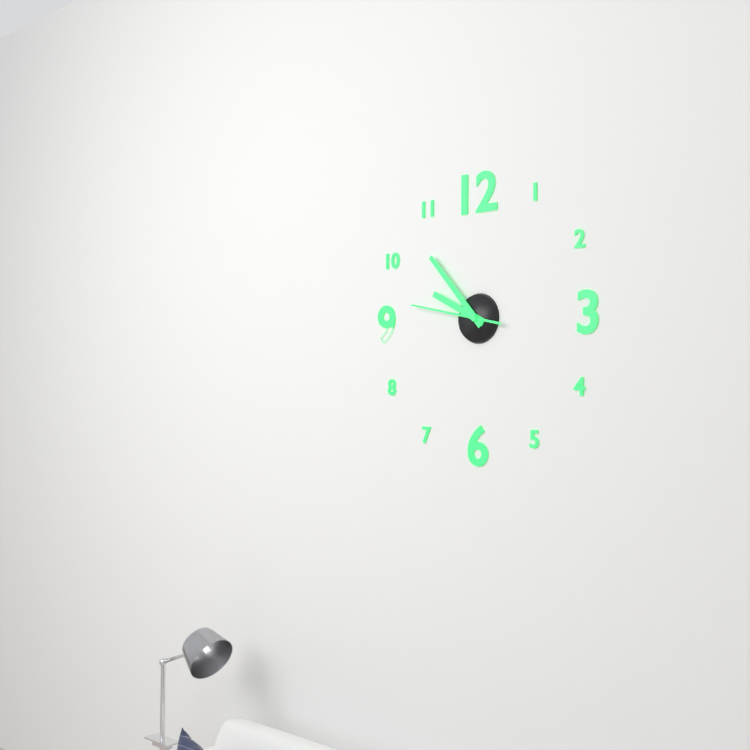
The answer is 9:53:47
